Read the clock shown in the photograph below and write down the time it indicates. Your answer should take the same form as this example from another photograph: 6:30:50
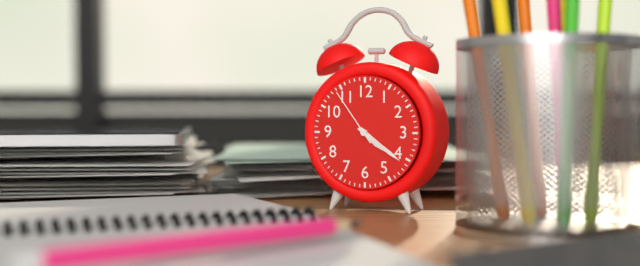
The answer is 4:21:54
